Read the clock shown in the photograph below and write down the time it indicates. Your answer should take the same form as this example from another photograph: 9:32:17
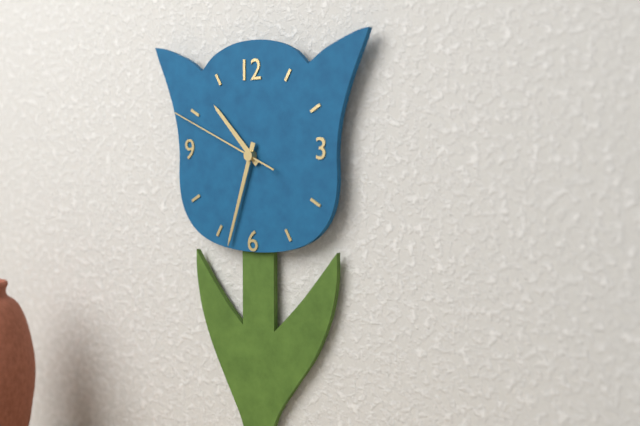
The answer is 10:33:49
